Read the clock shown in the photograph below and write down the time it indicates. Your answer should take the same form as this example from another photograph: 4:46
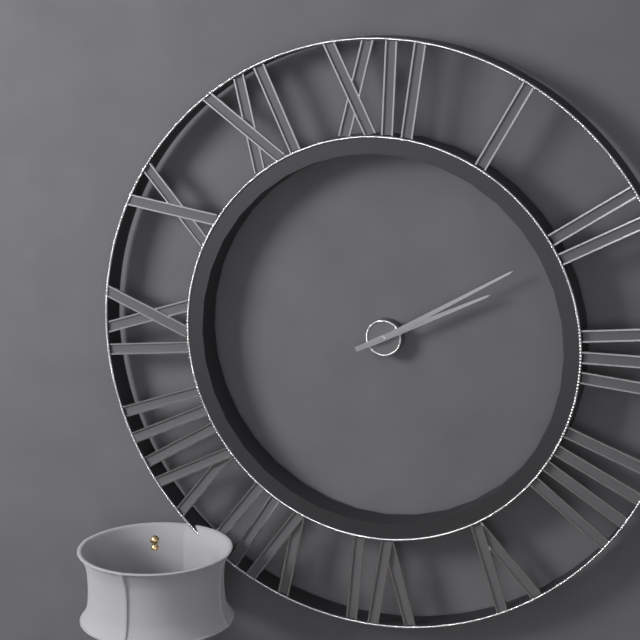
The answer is 2:10
